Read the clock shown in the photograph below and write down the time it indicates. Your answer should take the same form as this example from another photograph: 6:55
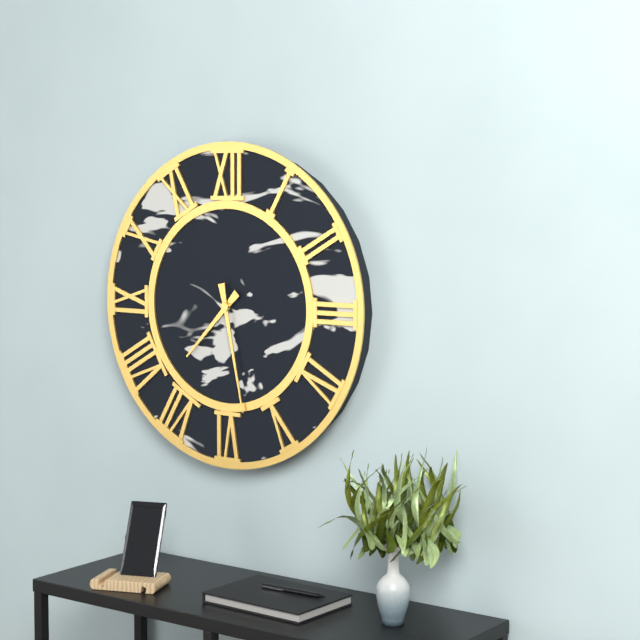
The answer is 7:28
